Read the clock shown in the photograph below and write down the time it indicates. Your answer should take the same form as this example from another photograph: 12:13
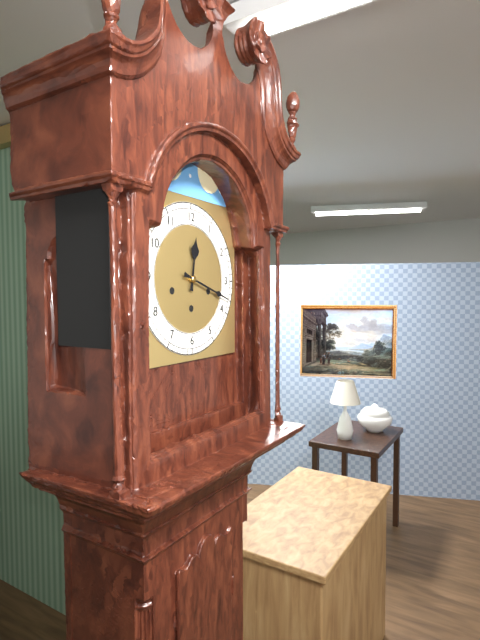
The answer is 12:18
